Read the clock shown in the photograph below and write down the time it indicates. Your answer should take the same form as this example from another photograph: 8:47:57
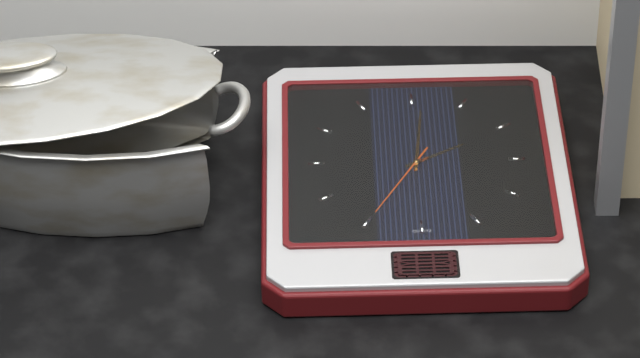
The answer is 2:01:35
